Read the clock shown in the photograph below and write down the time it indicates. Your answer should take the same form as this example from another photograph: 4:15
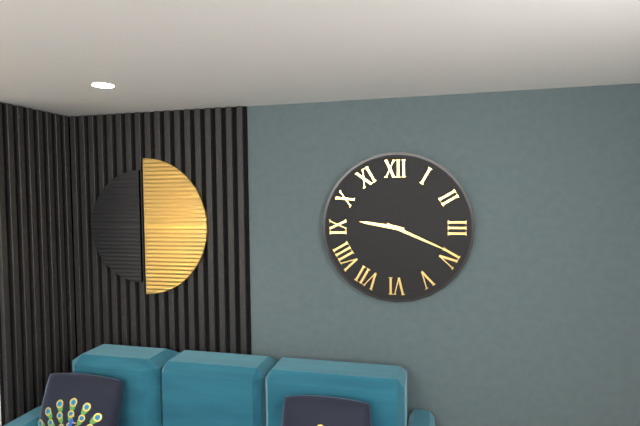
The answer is 9:19
